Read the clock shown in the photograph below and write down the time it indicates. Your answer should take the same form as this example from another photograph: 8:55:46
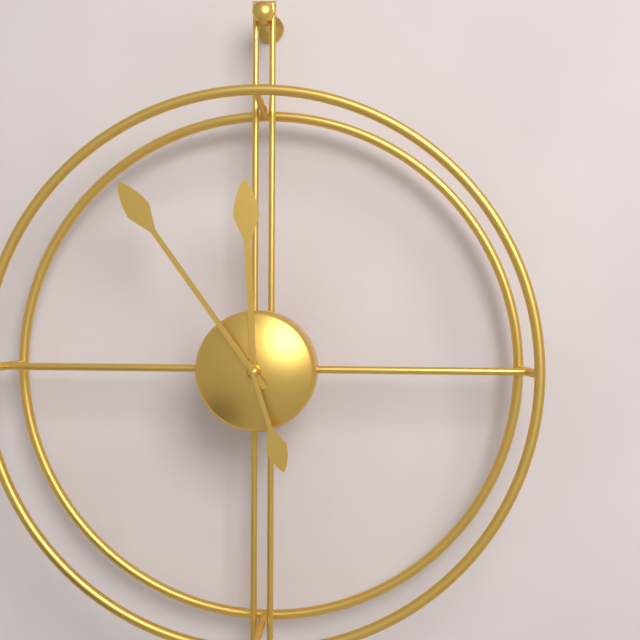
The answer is 11:54:27
